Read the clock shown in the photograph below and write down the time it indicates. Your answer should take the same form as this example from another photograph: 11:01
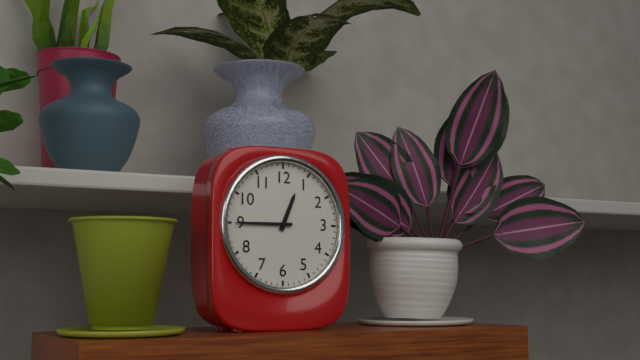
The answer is 12:45
